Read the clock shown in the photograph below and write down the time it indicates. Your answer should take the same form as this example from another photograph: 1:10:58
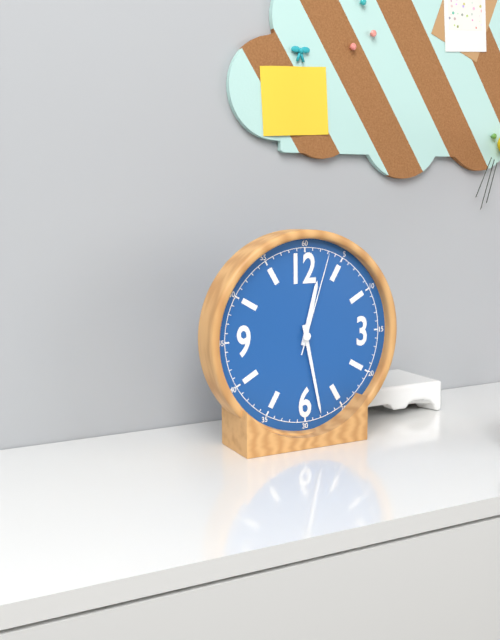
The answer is 12:28:03
